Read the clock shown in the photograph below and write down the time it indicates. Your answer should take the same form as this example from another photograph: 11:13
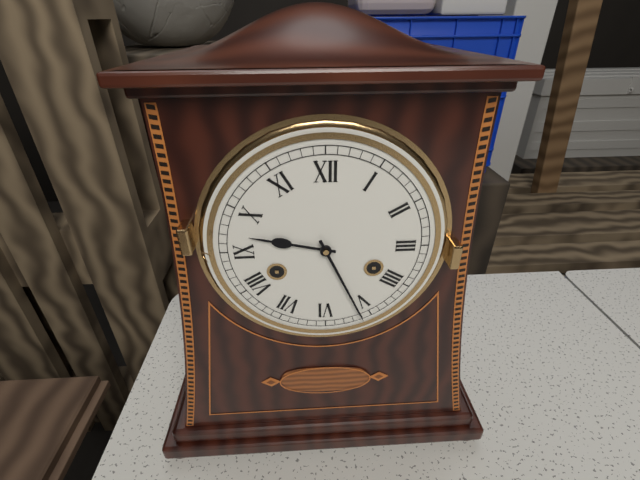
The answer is 9:26
